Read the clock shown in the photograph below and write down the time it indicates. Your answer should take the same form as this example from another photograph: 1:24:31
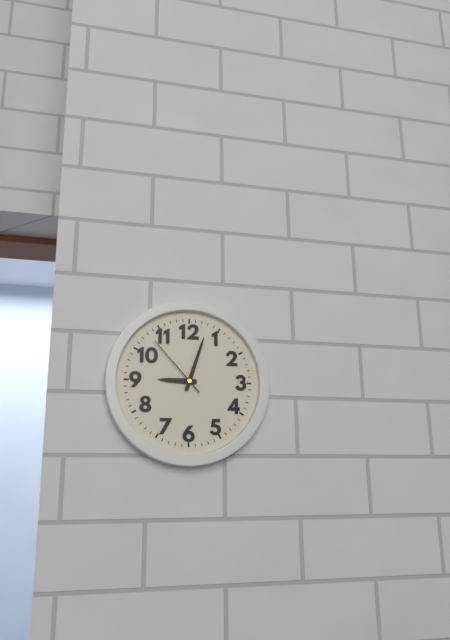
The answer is 9:03:53
